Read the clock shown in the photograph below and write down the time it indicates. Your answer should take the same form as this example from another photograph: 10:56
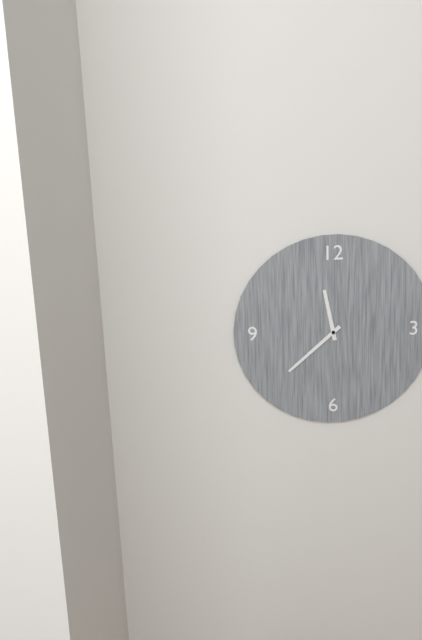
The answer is 11:38
